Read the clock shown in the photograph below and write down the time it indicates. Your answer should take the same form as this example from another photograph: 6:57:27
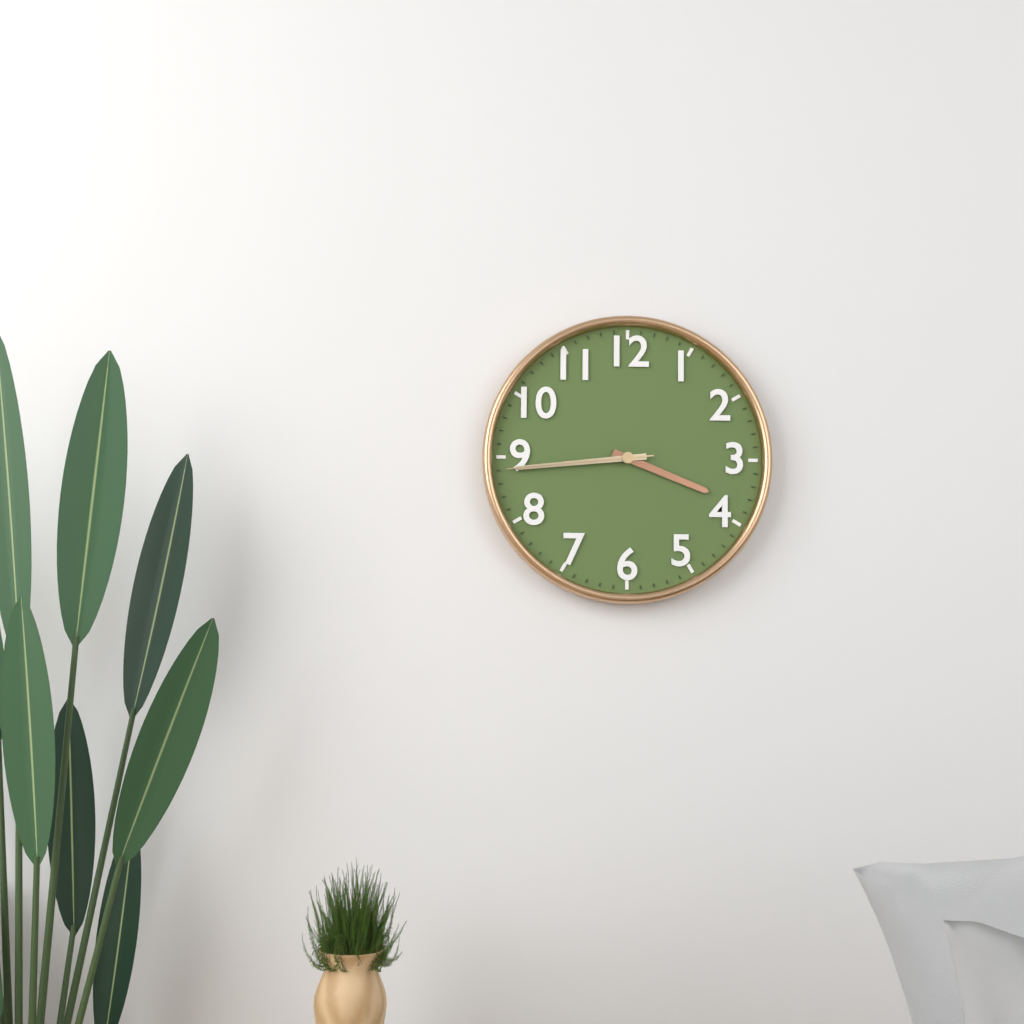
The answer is 3:44:44
